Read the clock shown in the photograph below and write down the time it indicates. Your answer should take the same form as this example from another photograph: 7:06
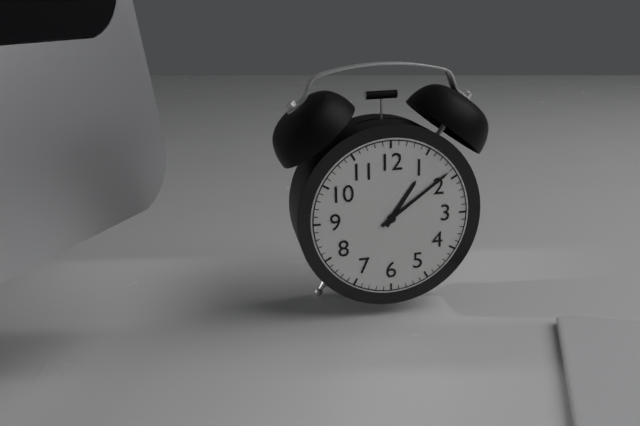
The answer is 1:09
